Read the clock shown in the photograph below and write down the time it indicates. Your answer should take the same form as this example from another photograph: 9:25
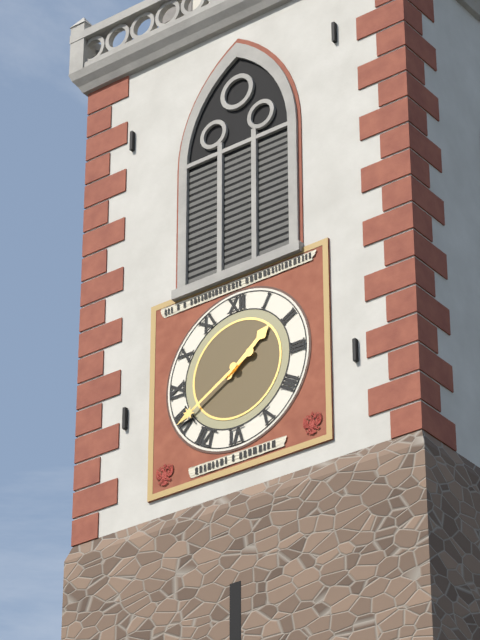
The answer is 1:40
